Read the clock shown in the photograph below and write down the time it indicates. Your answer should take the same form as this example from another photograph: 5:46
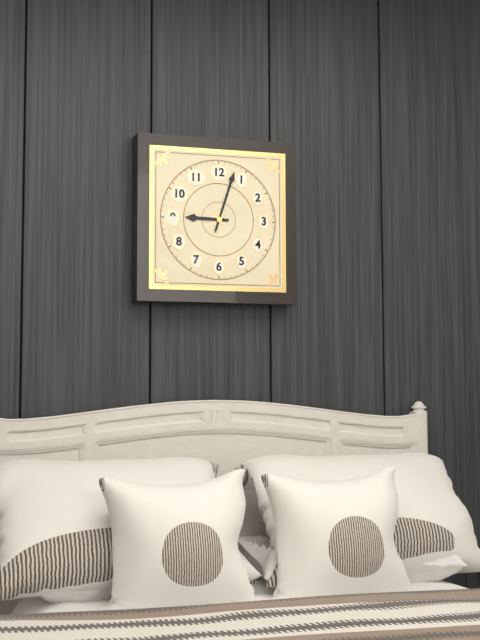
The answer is 9:03
